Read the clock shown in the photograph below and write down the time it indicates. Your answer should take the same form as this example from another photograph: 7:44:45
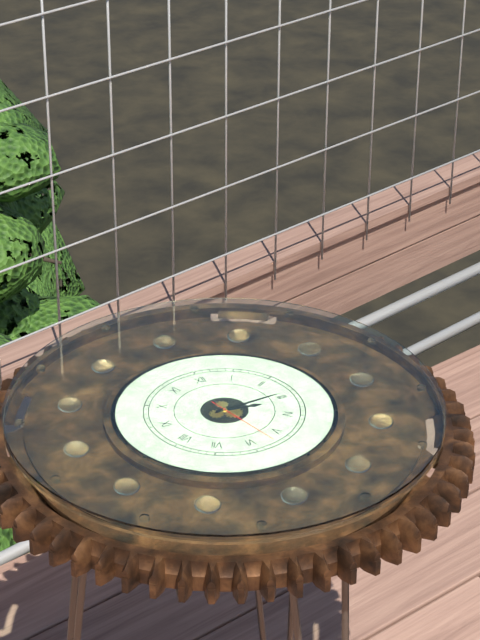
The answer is 3:14:27
